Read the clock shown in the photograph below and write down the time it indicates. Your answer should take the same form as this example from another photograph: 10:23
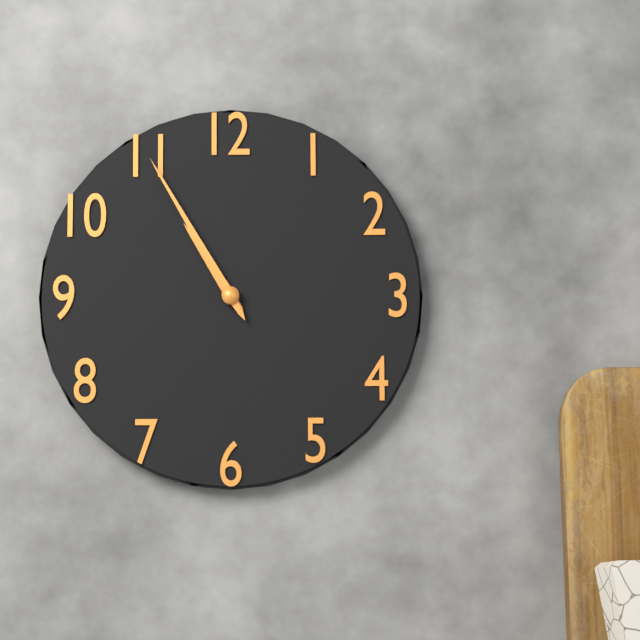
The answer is 10:55
